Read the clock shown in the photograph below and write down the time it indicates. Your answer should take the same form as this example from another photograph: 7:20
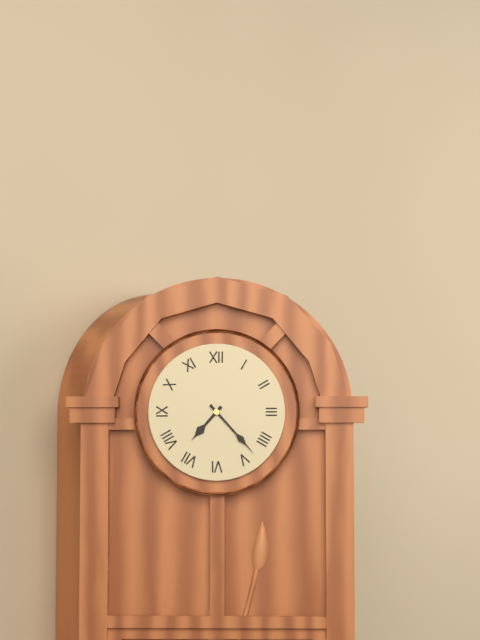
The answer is 7:23
